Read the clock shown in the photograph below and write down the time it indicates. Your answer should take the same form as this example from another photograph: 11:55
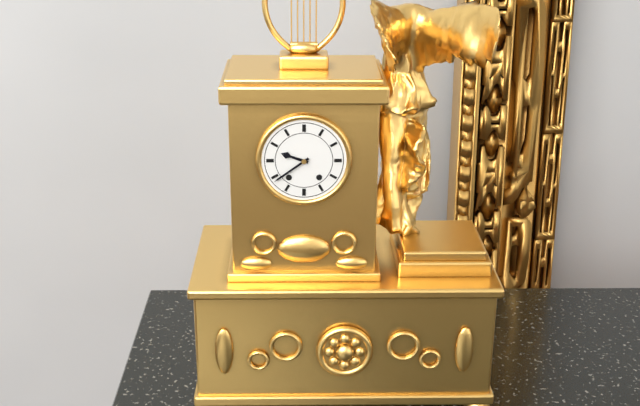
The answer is 9:39
